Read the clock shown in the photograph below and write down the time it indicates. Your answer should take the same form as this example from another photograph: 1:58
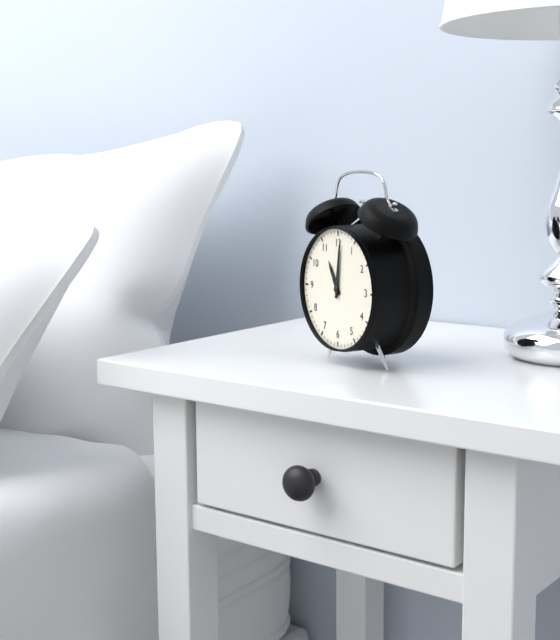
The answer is 11:01
